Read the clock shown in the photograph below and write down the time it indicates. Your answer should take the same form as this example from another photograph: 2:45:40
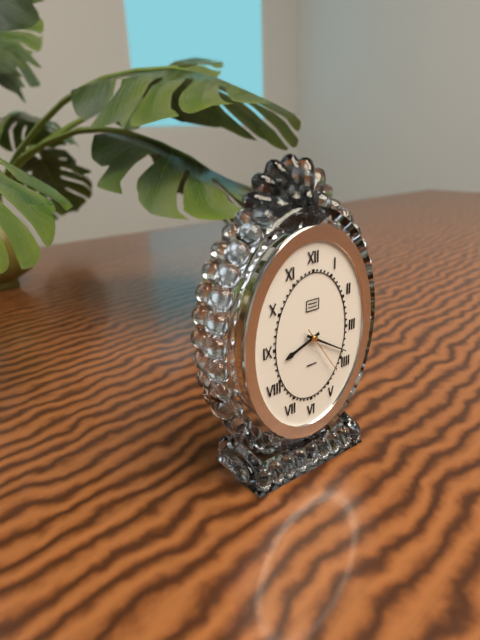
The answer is 8:20:24
